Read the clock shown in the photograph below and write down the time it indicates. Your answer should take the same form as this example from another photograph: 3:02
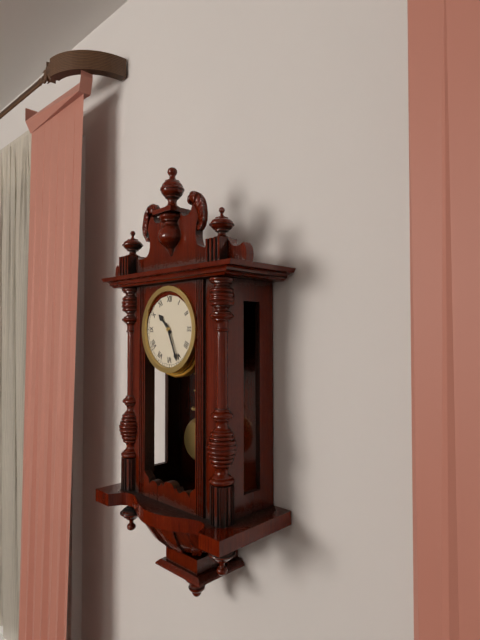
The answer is 10:26
